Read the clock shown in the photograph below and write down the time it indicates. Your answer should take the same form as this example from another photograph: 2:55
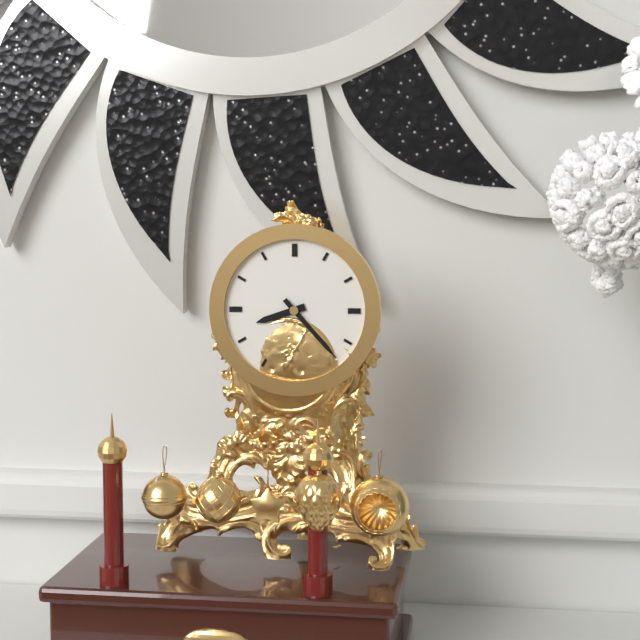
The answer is 8:23
